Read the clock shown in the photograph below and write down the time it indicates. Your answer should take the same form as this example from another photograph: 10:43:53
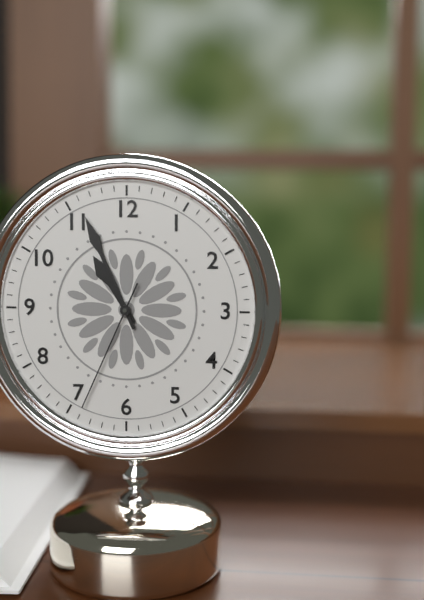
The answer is 10:56:34
